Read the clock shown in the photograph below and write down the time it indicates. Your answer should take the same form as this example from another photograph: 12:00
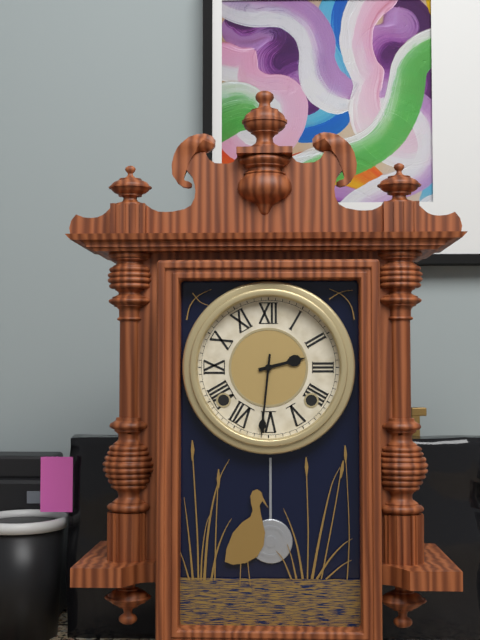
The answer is 2:31
